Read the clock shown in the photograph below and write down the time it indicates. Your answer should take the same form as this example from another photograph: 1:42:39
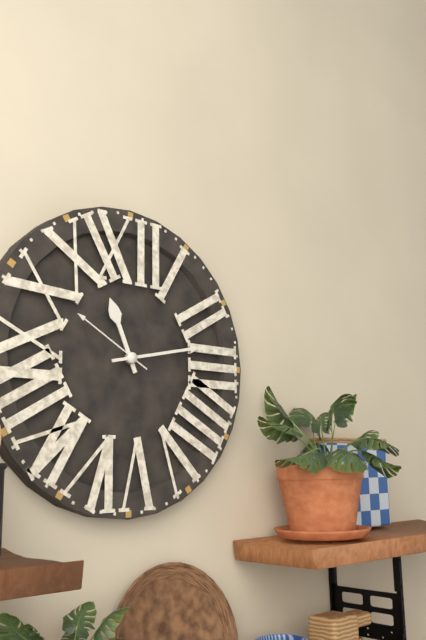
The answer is 11:13:50
